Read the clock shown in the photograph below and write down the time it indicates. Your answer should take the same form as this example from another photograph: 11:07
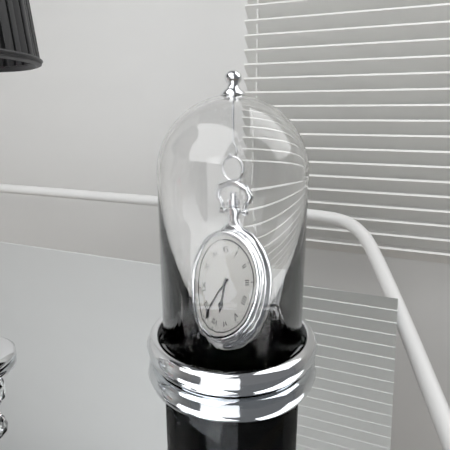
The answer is 6:39
